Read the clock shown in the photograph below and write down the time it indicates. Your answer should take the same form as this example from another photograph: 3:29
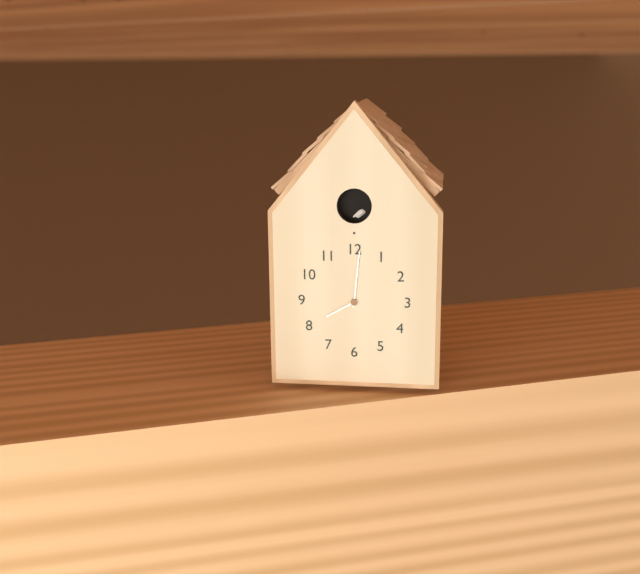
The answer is 8:01
